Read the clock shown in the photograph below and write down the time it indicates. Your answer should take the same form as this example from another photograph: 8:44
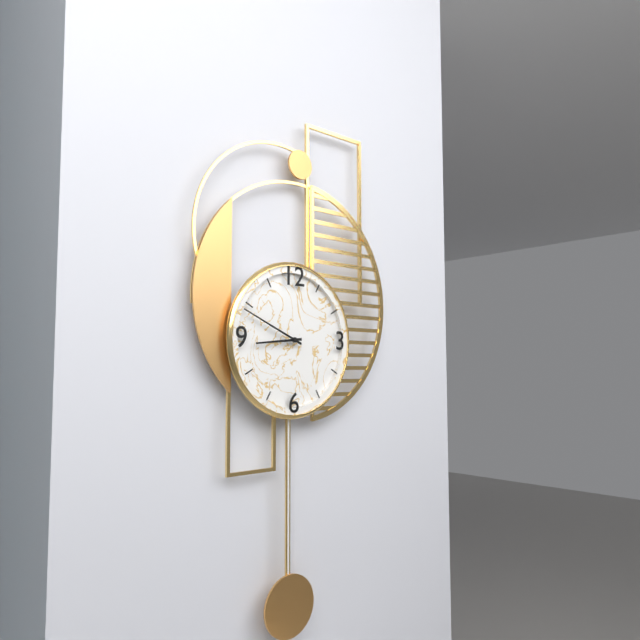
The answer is 8:49
